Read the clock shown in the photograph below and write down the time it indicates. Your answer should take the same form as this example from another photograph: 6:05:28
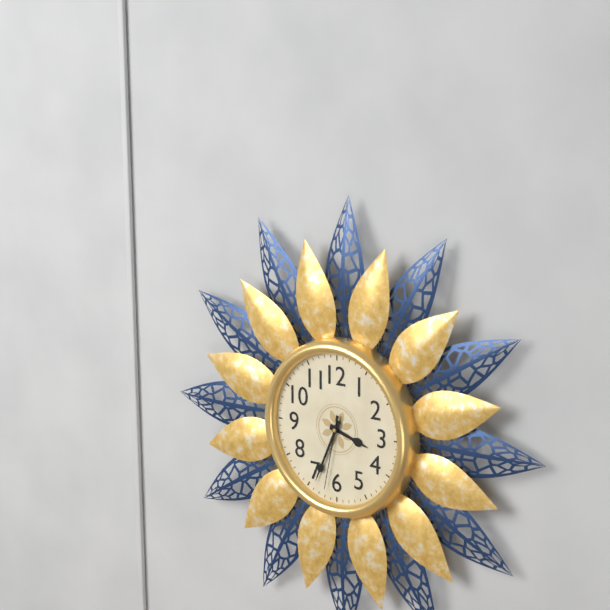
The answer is 3:34:32
